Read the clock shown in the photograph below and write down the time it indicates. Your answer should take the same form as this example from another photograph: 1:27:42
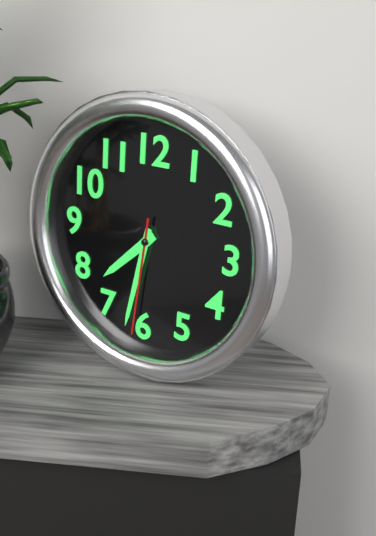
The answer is 7:32:31
